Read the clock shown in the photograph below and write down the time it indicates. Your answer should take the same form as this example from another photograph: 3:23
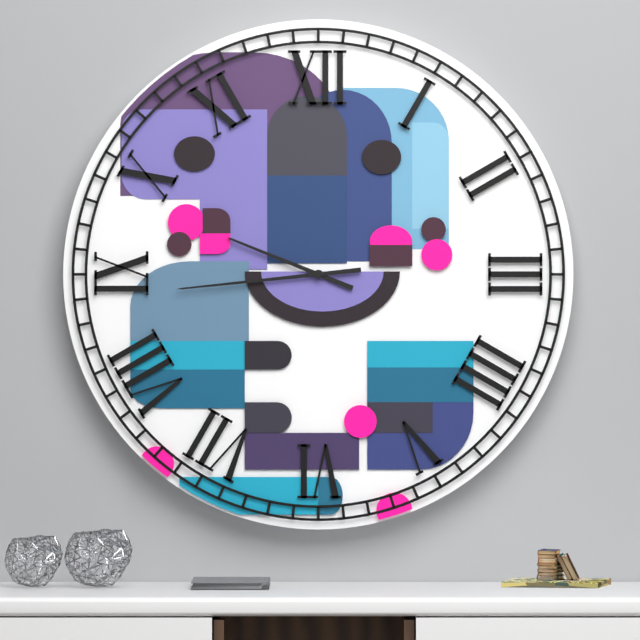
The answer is 9:44
